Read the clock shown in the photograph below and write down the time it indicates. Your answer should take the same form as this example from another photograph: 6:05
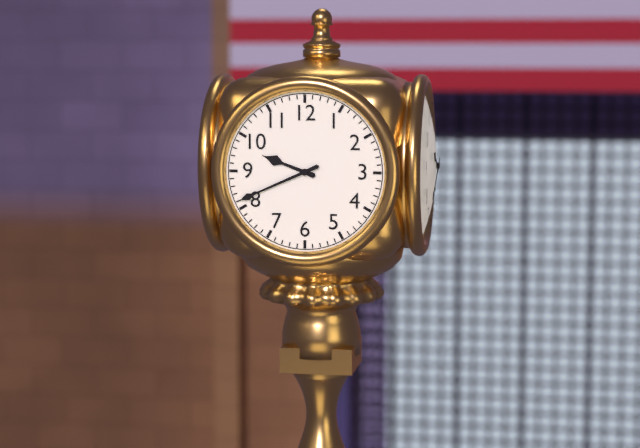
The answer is 9:41
